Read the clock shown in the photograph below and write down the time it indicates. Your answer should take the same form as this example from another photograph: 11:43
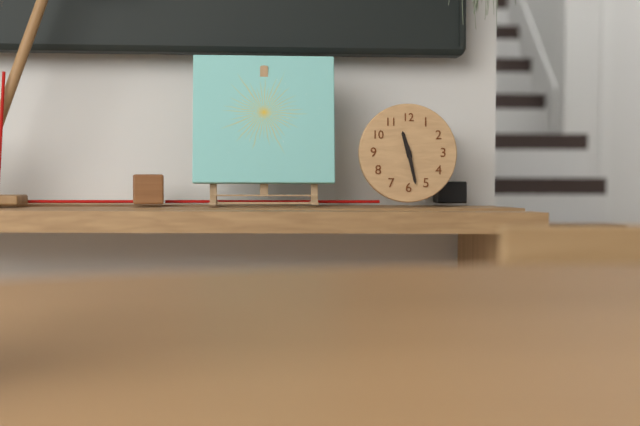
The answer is 11:28
